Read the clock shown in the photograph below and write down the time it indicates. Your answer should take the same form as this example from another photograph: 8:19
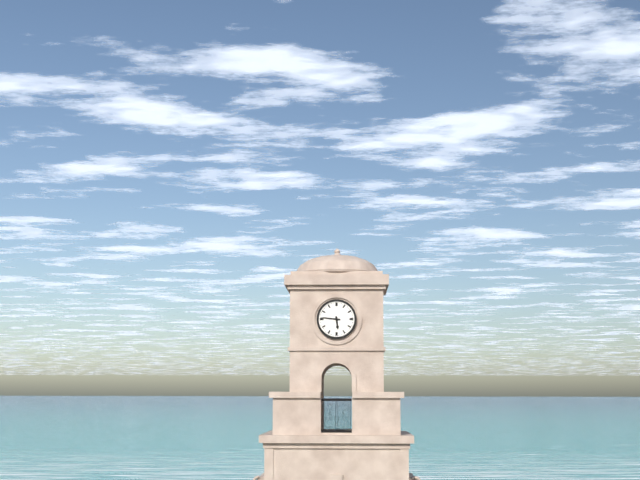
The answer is 5:46
